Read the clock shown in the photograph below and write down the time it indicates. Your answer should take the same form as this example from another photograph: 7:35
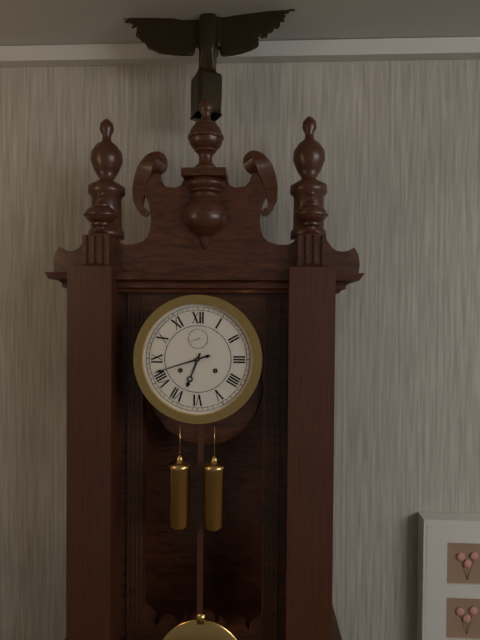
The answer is 6:42
